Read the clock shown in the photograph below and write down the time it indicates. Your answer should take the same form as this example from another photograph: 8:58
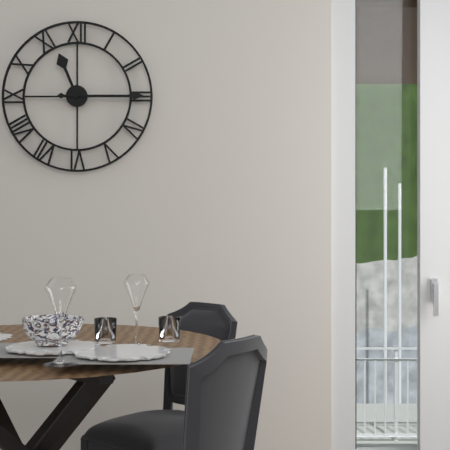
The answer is 11:15
